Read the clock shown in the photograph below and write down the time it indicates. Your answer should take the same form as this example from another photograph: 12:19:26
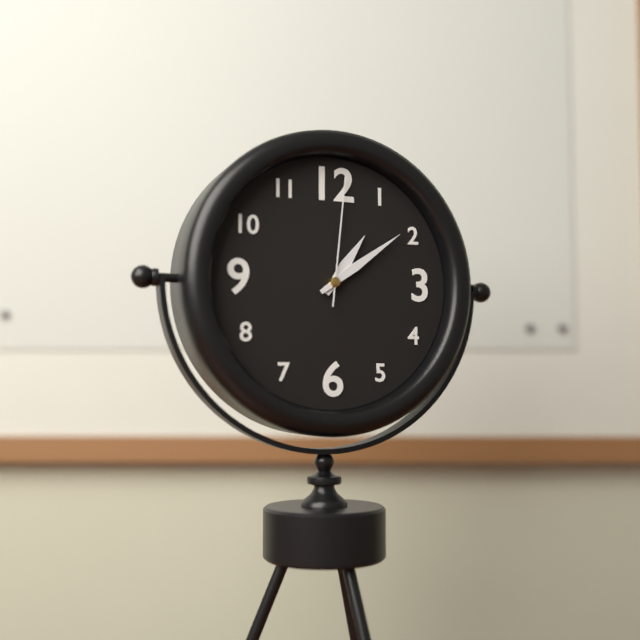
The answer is 1:09:01
